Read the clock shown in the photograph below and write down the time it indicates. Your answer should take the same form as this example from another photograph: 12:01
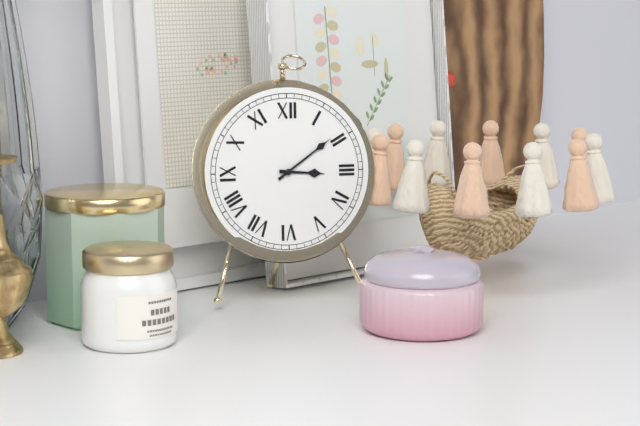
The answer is 3:09
